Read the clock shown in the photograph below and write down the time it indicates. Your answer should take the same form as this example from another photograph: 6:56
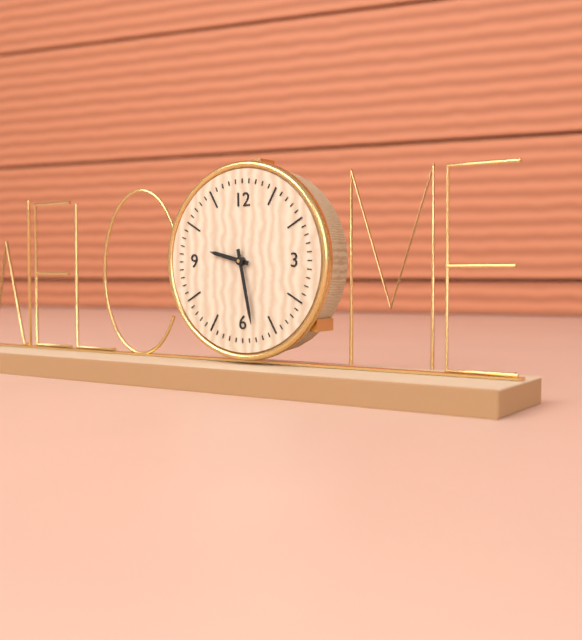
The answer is 9:28
